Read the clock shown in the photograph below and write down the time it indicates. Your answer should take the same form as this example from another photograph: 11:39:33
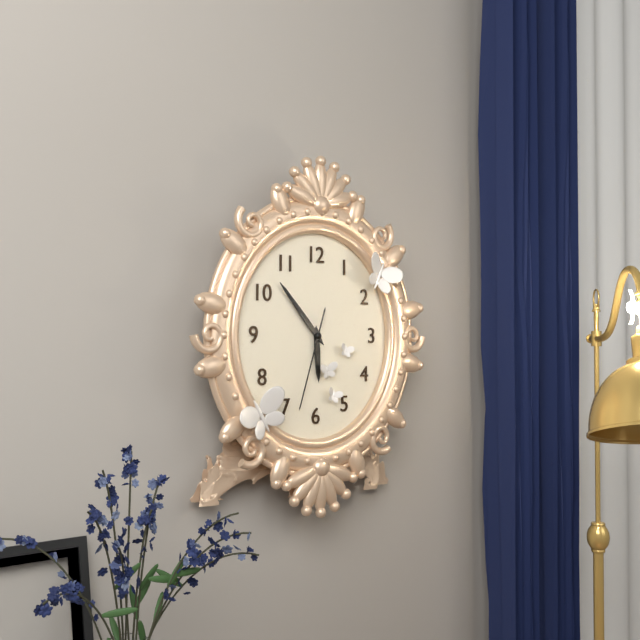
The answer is 5:53:33
